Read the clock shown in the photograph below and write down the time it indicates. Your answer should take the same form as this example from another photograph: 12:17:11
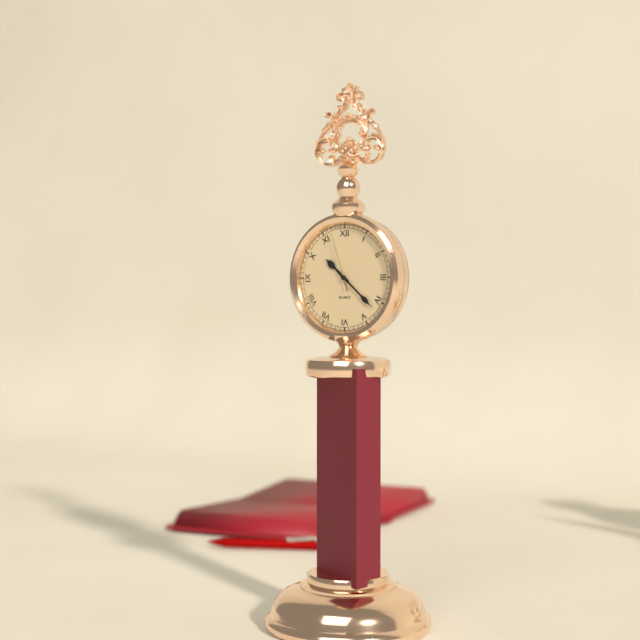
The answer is 10:22:57
